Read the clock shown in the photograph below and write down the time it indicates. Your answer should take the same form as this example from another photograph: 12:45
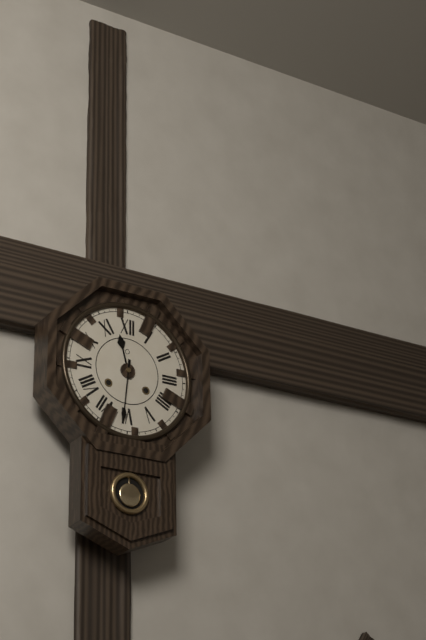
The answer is 11:31
